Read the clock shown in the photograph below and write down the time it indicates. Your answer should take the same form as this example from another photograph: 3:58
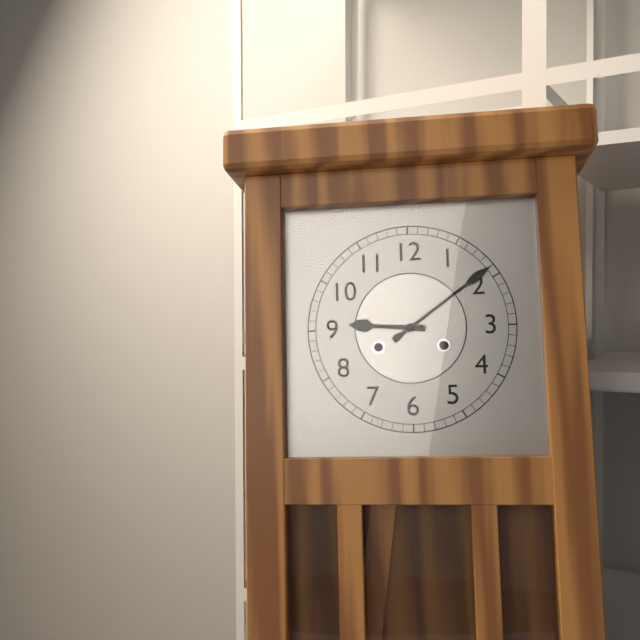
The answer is 9:09
